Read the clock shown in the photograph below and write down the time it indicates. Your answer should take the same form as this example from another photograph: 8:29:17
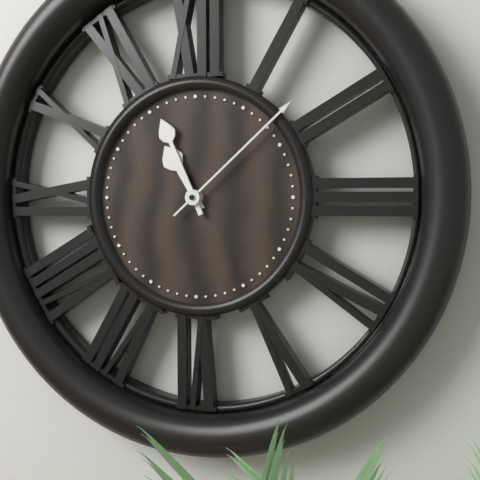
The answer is 10:56:08
